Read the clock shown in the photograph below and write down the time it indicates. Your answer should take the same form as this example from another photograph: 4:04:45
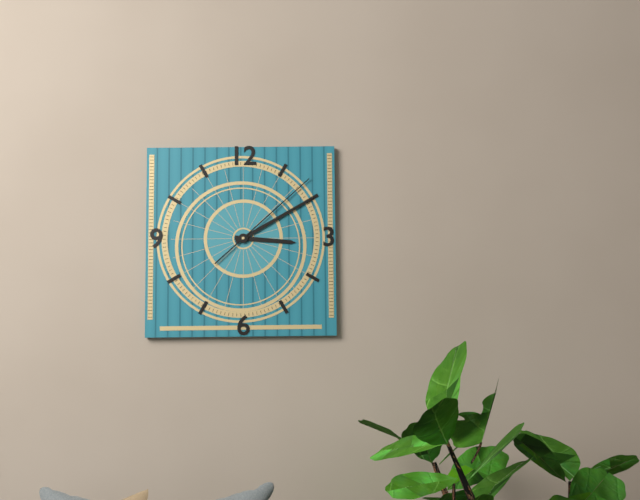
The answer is 3:10:08
